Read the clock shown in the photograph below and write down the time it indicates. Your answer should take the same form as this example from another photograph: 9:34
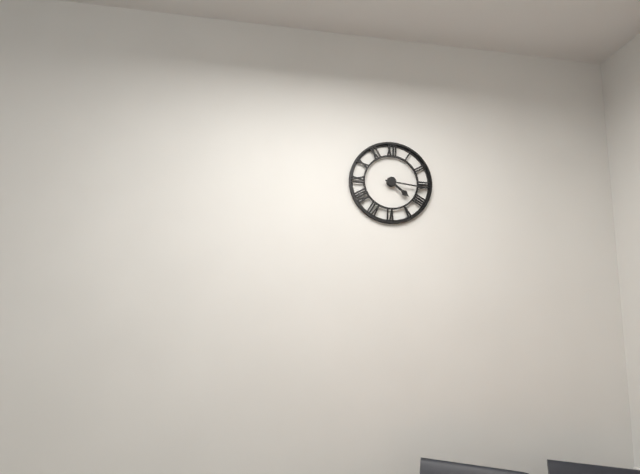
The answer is 4:16
